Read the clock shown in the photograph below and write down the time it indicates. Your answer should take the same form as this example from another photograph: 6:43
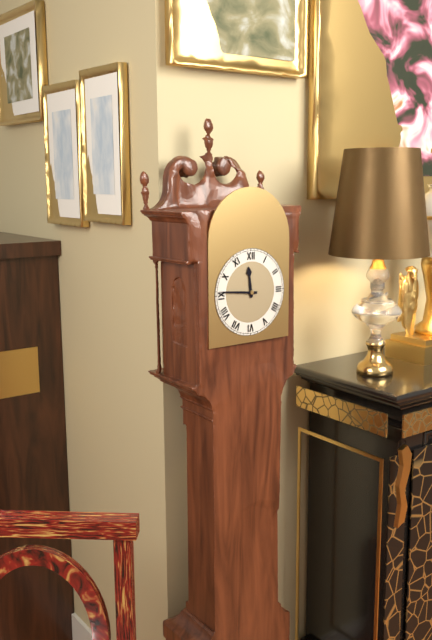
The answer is 11:46
